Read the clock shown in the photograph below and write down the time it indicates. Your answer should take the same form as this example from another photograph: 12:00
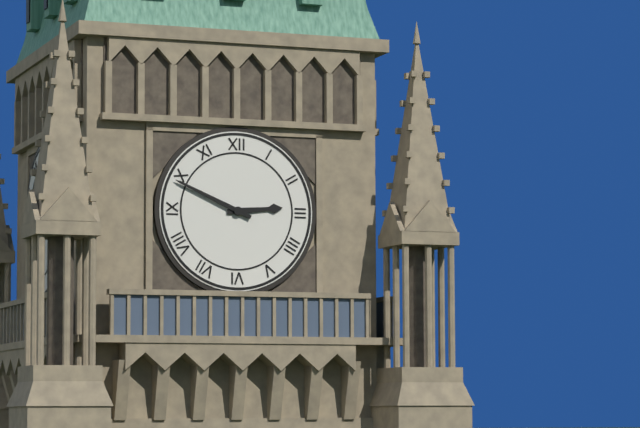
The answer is 2:49
